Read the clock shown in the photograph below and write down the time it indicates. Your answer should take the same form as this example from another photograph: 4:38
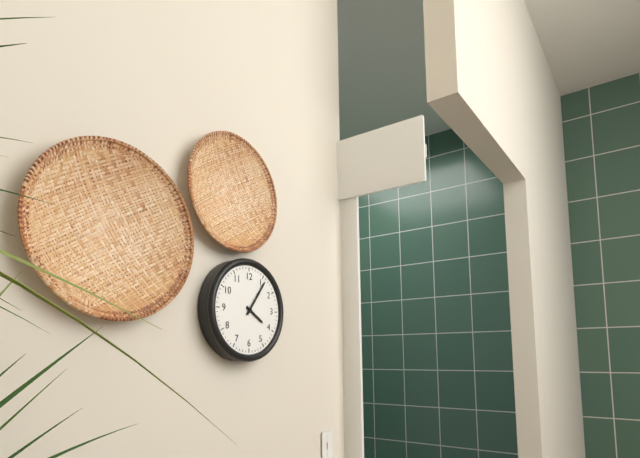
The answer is 4:06
